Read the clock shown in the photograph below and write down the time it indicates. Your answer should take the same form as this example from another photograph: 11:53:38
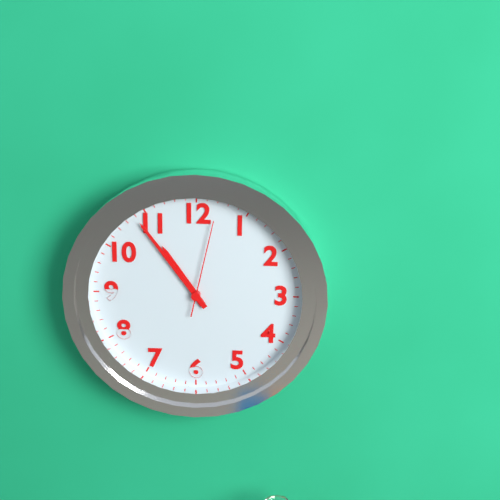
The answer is 10:54:02
